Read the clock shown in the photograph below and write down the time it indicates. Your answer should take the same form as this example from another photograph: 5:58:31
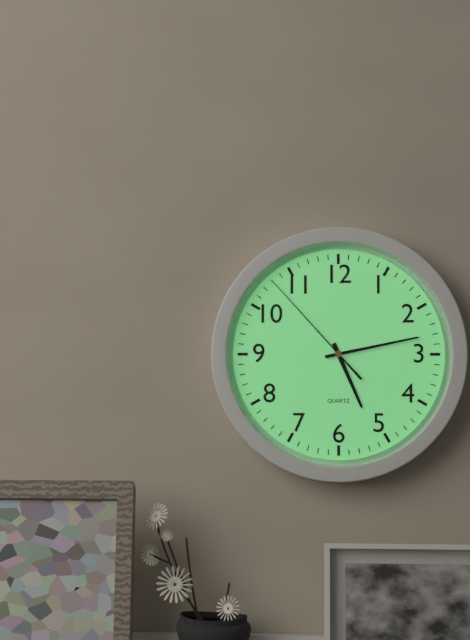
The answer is 5:13:53
